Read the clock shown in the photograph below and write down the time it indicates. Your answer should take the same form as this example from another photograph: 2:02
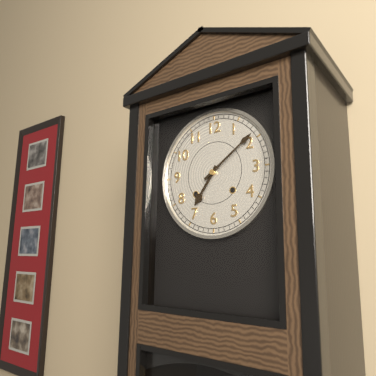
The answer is 7:09
